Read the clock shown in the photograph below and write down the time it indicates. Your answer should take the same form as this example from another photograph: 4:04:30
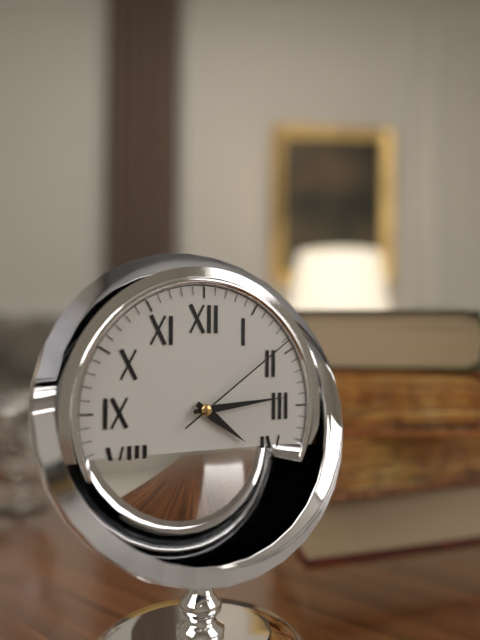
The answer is 4:14:09
